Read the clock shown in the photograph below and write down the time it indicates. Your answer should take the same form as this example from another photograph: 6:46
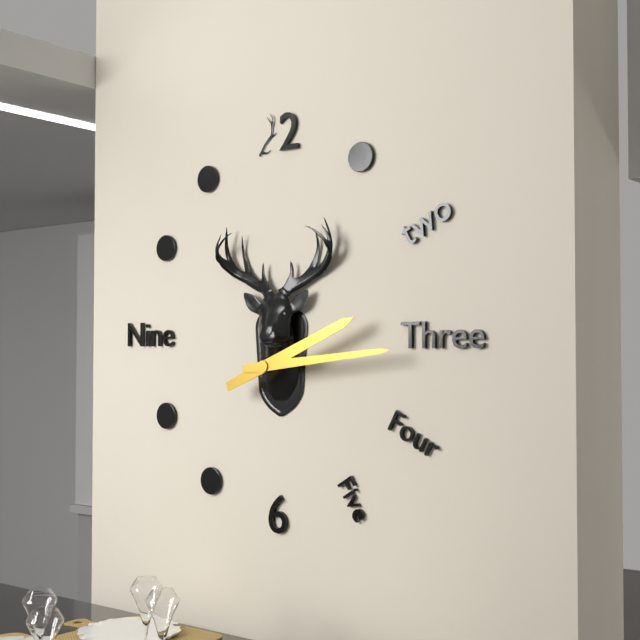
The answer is 2:14
